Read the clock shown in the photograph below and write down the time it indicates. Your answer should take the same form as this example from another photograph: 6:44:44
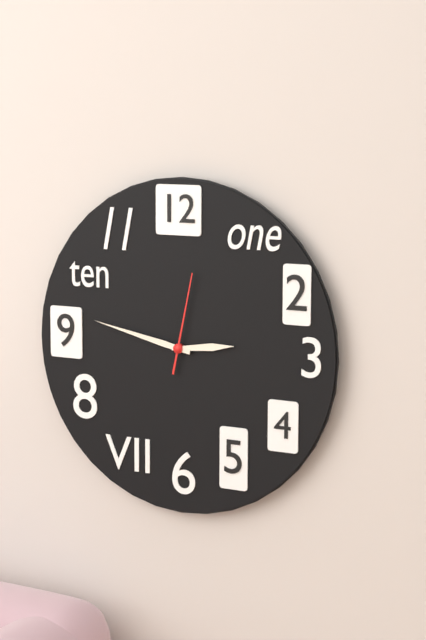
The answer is 2:47:02
